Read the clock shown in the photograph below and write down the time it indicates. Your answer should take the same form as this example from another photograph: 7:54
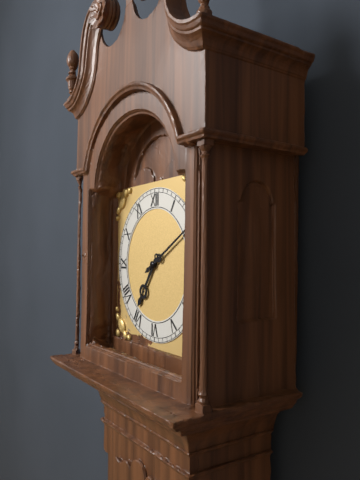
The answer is 7:10
